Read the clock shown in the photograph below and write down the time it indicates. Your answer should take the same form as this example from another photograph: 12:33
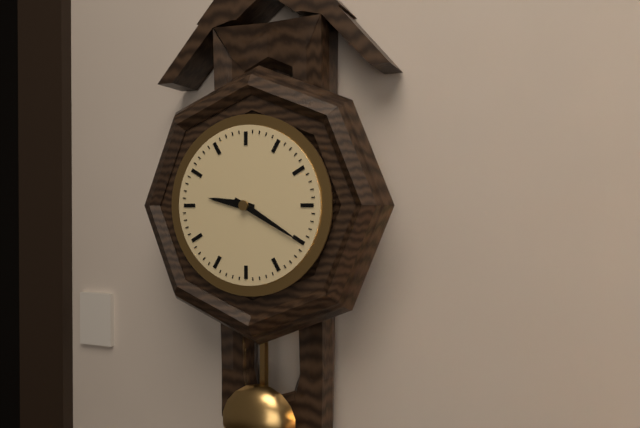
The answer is 9:20
